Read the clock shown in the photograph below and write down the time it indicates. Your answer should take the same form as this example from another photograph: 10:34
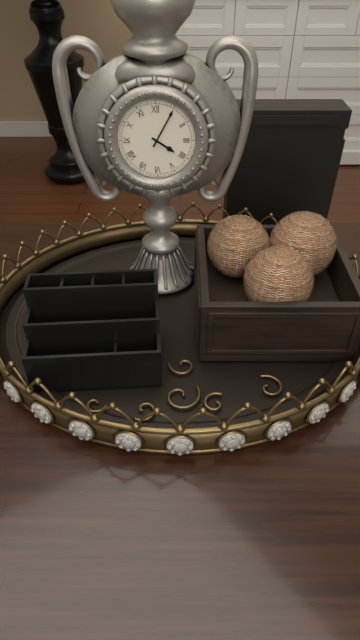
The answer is 4:05
